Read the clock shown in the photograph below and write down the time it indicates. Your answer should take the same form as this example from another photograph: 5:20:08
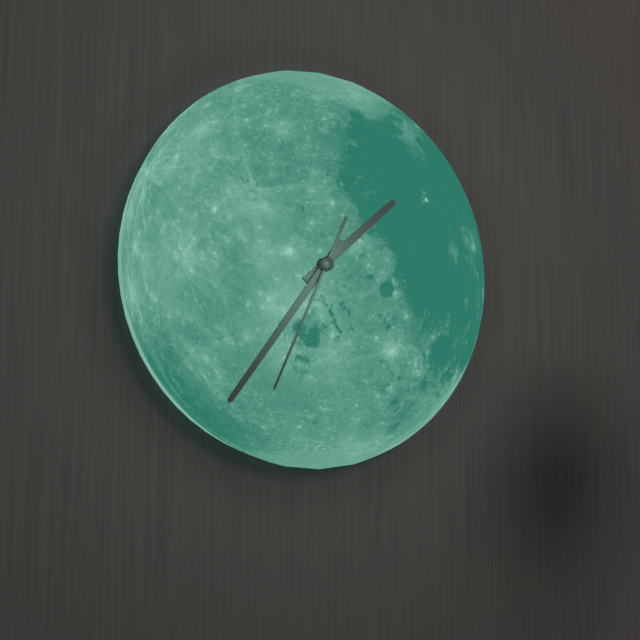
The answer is 1:36:34
